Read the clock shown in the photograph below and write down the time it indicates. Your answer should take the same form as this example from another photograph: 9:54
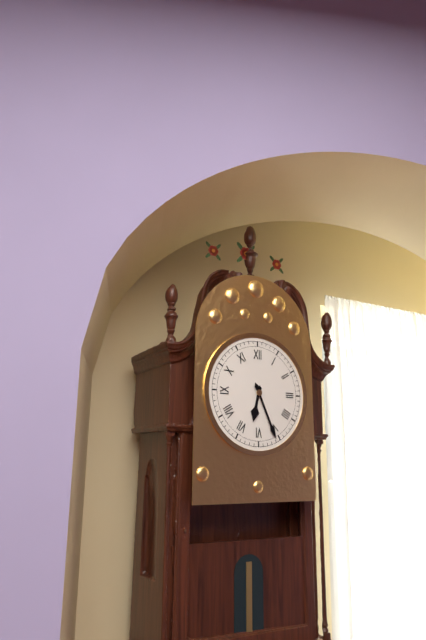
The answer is 6:26
